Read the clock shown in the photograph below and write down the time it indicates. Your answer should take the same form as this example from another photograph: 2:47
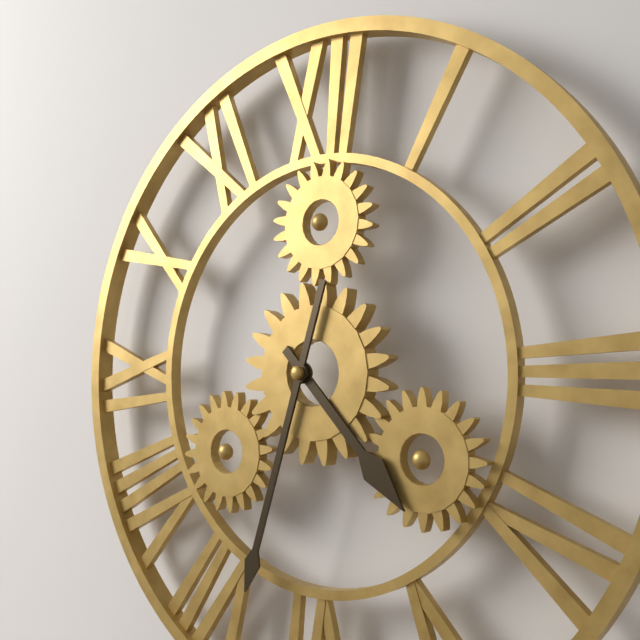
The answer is 4:33
